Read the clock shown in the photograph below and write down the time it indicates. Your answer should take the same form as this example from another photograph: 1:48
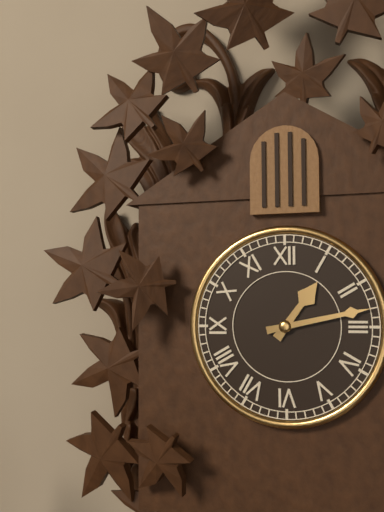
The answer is 1:13
